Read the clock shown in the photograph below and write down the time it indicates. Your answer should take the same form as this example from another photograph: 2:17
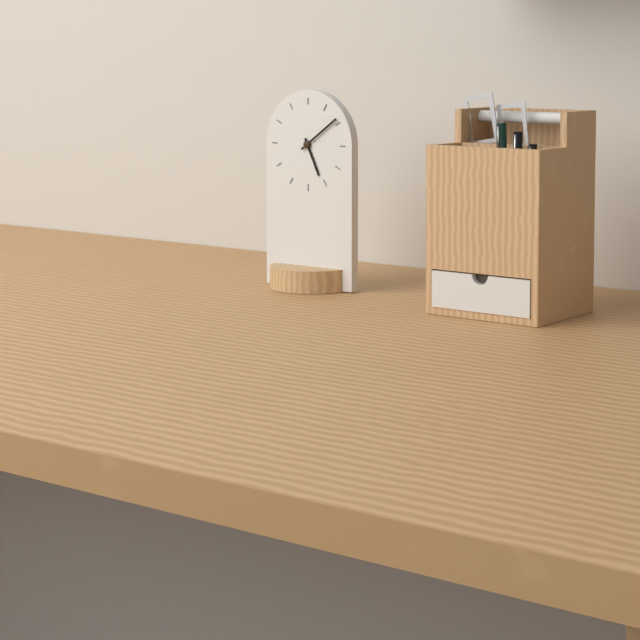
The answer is 5:09
